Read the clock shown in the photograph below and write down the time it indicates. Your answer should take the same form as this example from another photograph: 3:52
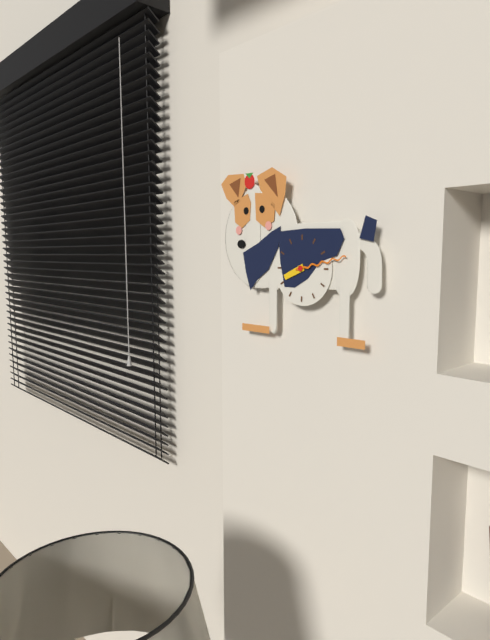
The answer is 8:13
